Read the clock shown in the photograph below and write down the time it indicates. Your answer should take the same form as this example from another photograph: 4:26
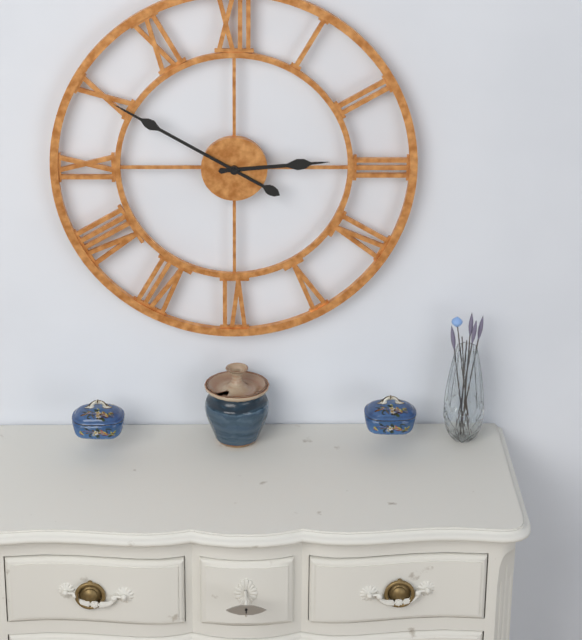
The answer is 2:50
